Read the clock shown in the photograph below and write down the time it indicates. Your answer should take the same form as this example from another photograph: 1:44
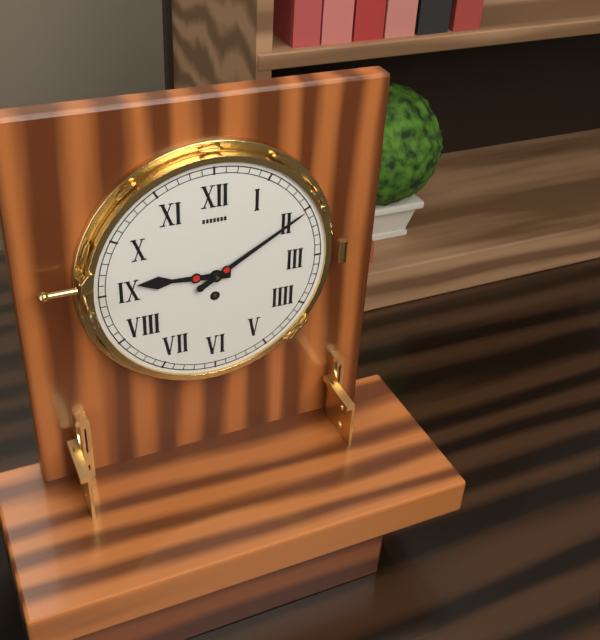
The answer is 9:10
